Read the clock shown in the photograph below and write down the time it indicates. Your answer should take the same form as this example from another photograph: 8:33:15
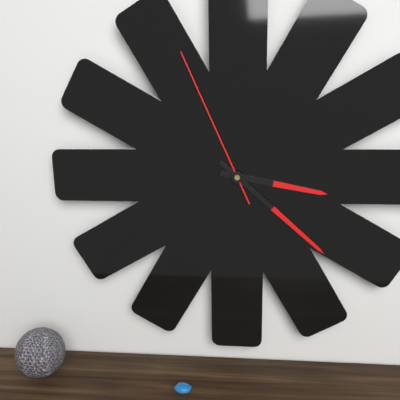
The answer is 3:22:56
